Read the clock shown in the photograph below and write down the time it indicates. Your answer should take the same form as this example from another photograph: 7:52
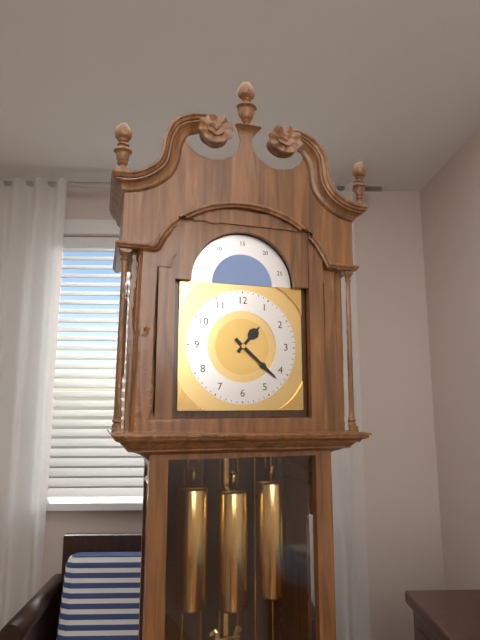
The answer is 1:22
